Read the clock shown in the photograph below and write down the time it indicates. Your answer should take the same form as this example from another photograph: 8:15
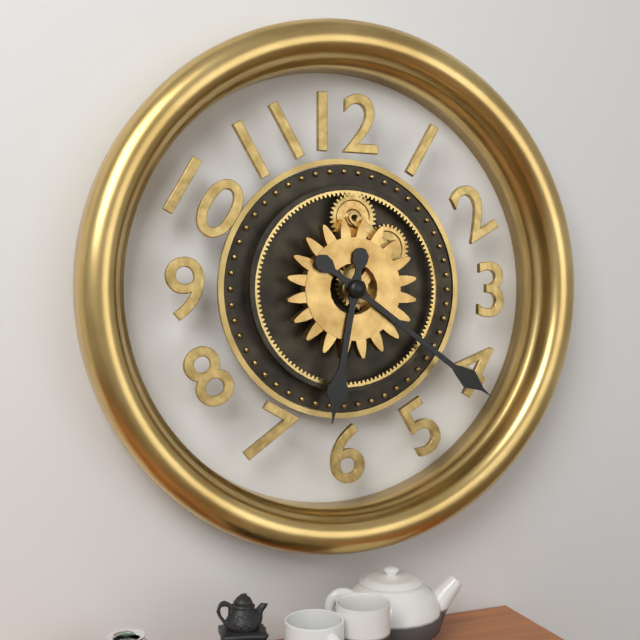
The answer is 6:21
